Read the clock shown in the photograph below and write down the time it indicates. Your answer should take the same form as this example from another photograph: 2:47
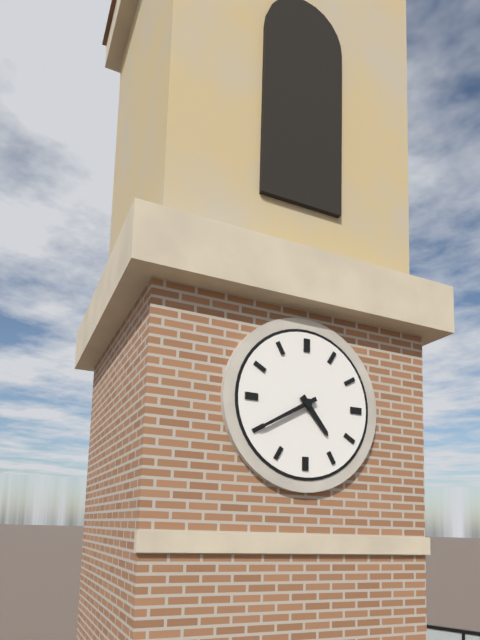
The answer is 4:40
